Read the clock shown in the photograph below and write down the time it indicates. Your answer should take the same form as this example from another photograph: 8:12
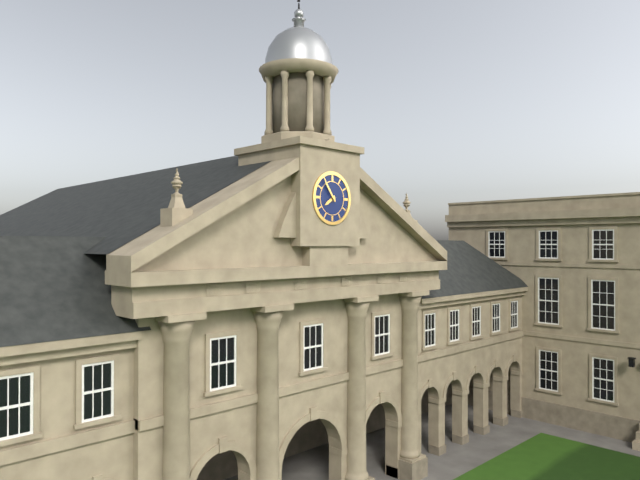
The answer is 7:54
